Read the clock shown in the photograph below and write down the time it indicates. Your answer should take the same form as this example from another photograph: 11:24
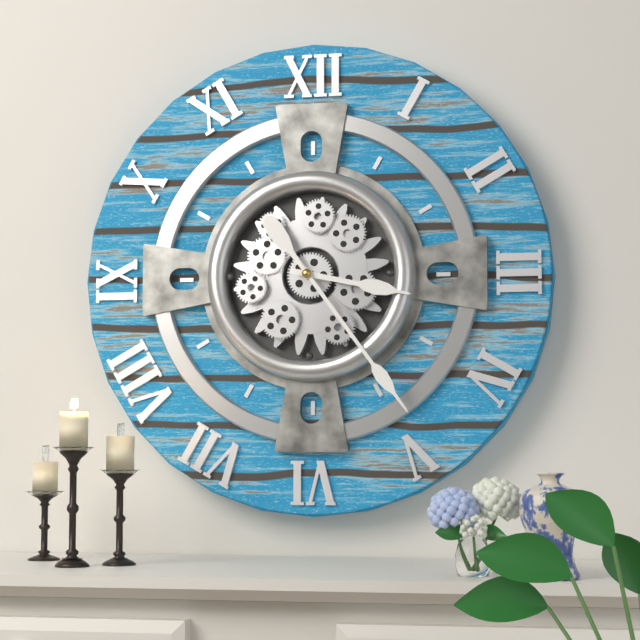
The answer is 3:24
